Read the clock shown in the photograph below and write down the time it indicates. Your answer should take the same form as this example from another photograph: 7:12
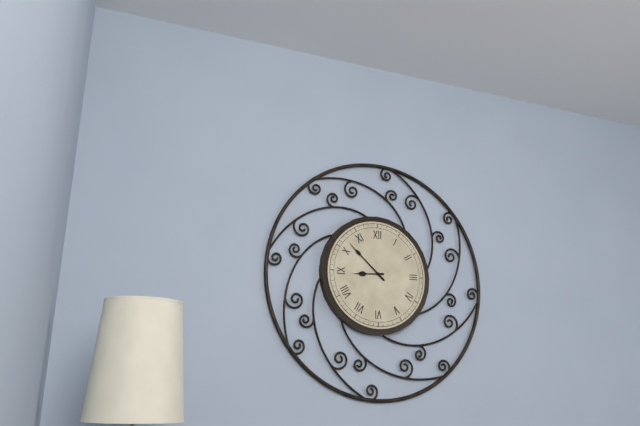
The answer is 8:52
